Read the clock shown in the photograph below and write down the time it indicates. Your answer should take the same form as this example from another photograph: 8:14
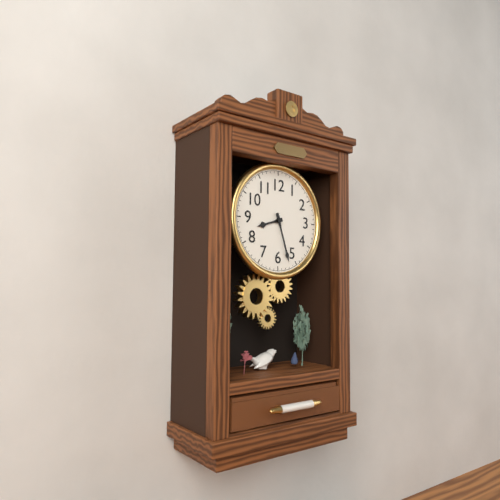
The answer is 8:27
